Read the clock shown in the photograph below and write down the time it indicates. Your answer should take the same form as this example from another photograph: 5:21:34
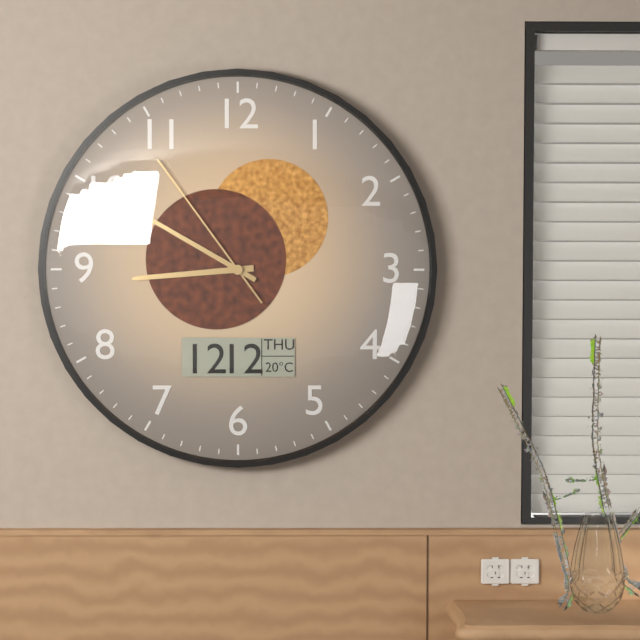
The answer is 8:50:54
